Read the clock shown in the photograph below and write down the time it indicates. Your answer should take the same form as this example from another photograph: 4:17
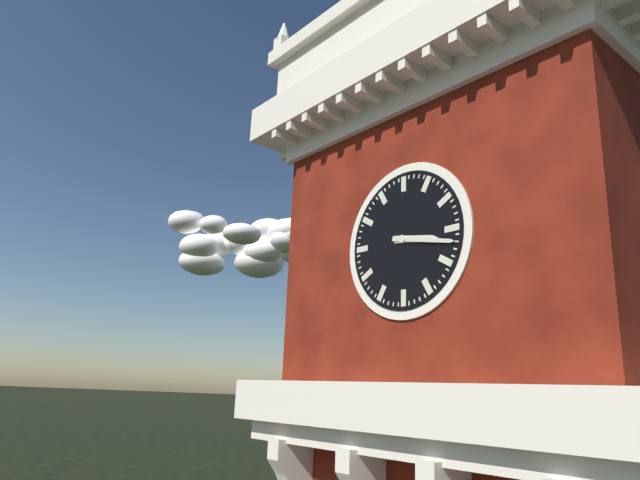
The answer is 3:17
